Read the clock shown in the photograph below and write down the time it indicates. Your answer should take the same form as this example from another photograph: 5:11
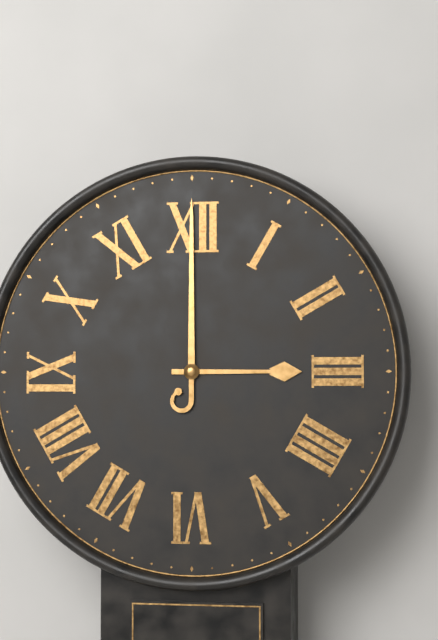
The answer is 3:00
